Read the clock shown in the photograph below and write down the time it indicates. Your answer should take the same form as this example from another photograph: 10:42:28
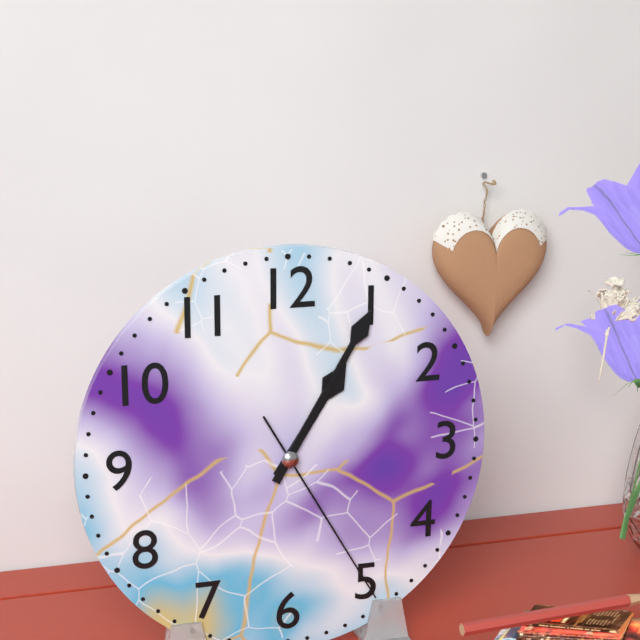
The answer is 1:05:25
